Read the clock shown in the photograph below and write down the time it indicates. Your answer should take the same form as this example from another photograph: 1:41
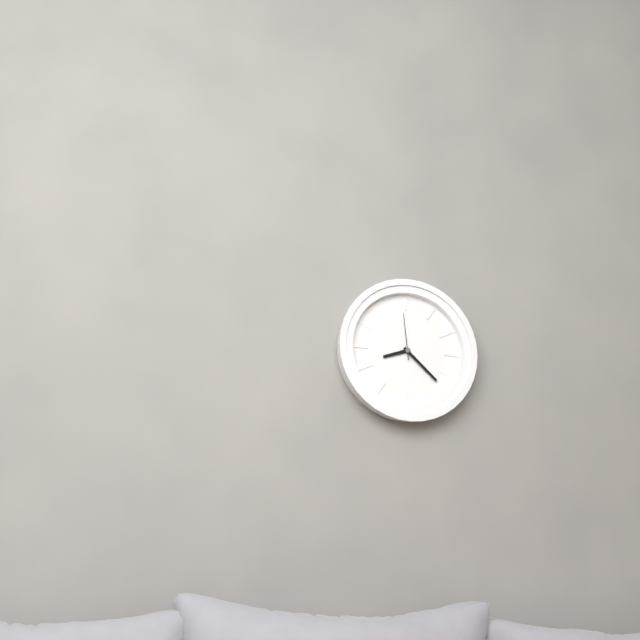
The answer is 8:22
